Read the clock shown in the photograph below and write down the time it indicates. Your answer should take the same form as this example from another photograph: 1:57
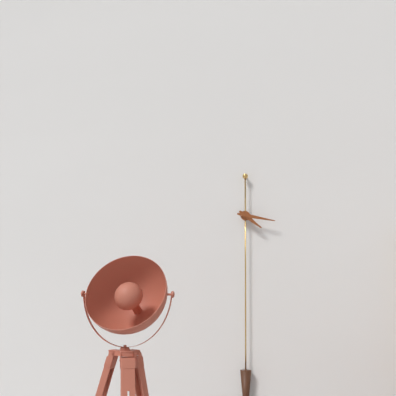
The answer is 4:17
